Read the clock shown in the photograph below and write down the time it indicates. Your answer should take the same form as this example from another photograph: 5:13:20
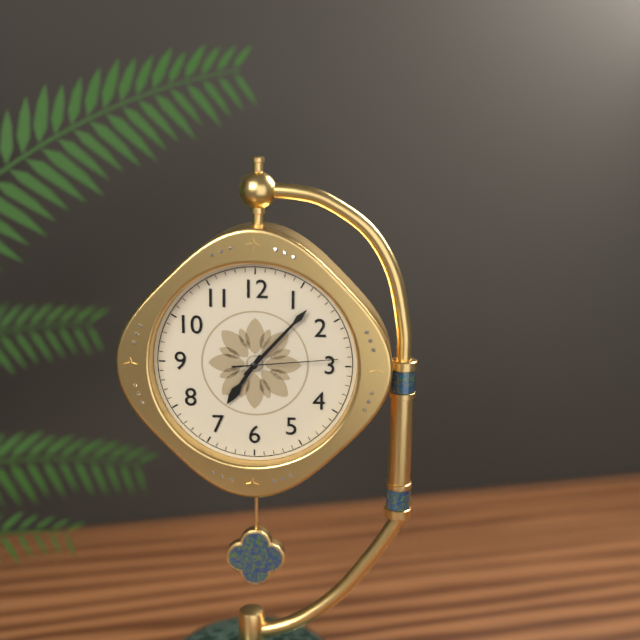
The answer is 7:07:14
